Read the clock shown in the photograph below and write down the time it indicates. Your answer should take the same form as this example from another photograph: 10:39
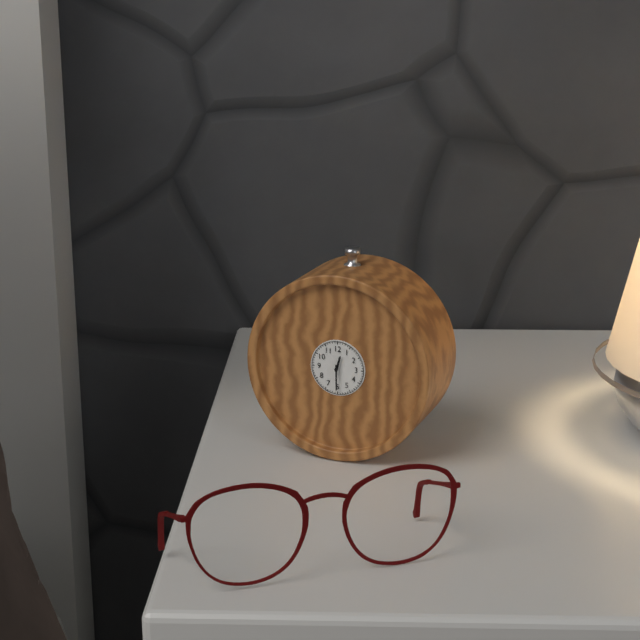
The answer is 12:30
